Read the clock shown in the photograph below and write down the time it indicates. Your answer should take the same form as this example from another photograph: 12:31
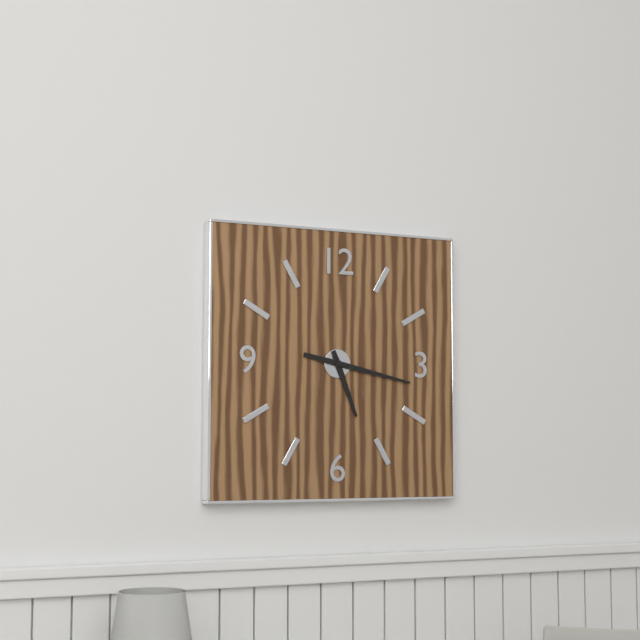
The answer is 5:17
